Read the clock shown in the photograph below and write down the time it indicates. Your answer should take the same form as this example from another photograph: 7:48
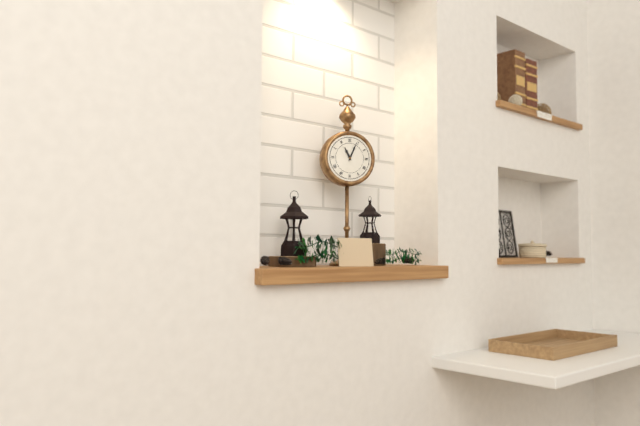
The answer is 11:04
